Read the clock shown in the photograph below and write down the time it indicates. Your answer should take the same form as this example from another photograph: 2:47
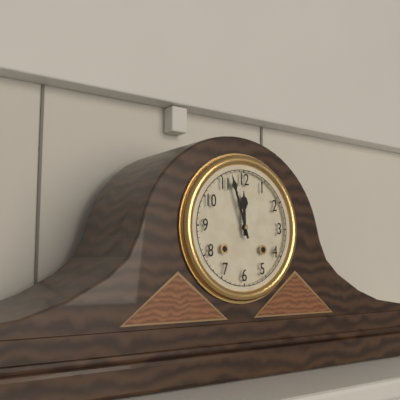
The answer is 11:57
